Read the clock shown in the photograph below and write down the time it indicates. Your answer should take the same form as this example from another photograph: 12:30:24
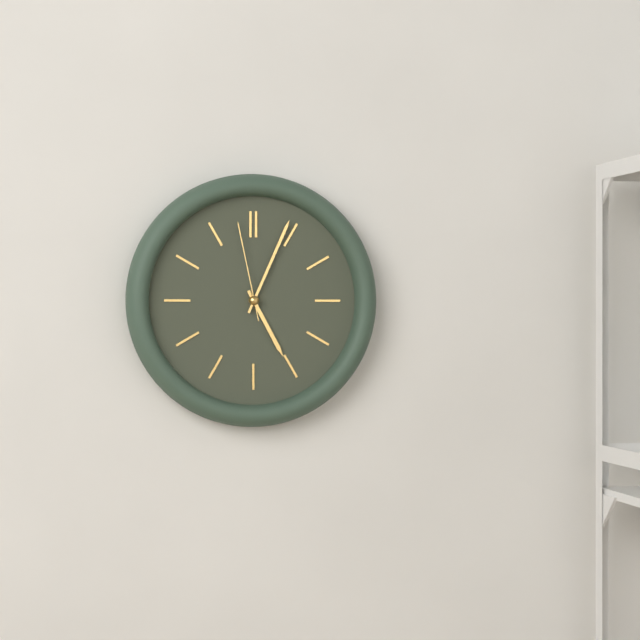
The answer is 5:04:58
